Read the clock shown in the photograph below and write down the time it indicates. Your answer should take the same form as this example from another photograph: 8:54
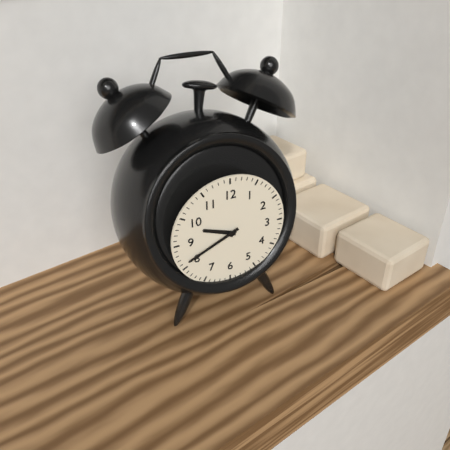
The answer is 9:41
